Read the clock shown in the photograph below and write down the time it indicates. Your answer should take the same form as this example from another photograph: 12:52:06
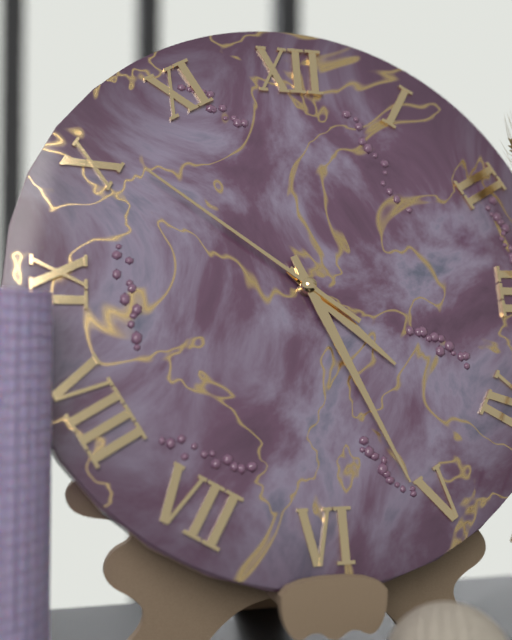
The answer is 4:26:51
